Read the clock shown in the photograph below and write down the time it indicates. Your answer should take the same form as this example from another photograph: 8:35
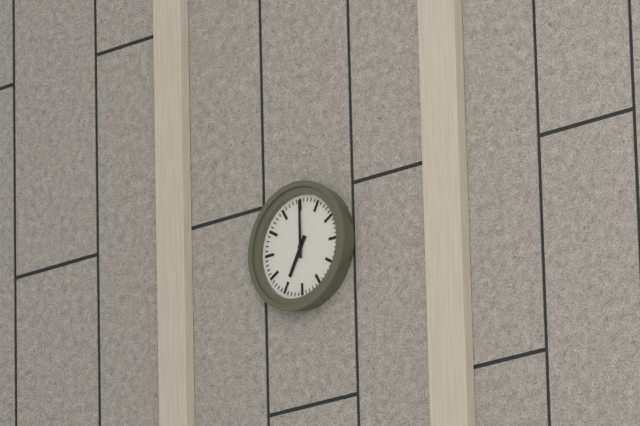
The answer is 7:00
